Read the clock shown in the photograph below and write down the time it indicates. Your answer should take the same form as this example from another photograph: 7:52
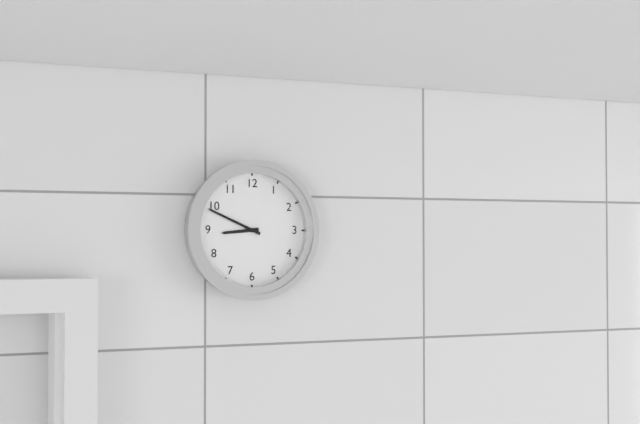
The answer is 8:49
